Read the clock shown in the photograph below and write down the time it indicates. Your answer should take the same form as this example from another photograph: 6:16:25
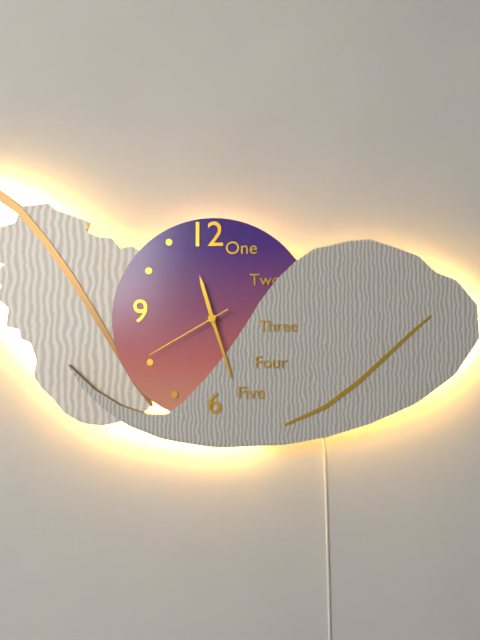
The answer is 11:27:40
